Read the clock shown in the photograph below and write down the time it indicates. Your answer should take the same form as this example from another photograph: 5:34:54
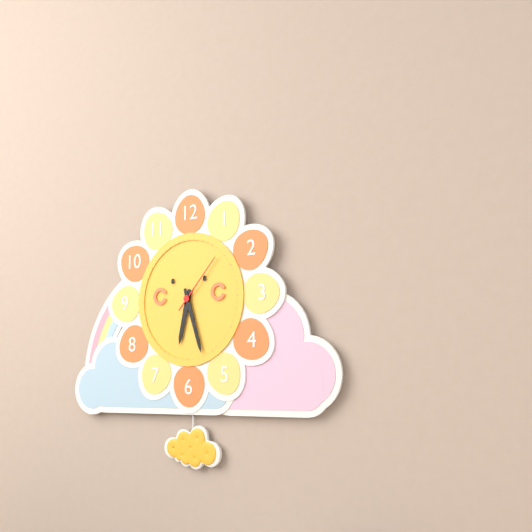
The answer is 6:27:07
